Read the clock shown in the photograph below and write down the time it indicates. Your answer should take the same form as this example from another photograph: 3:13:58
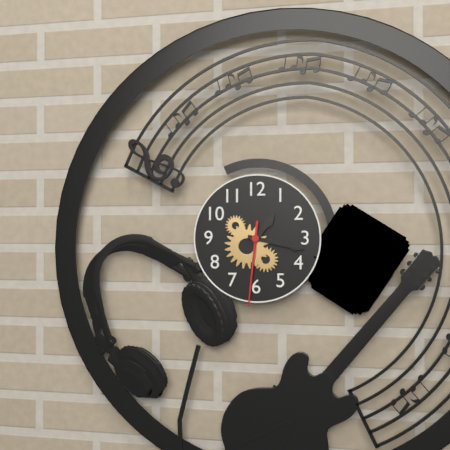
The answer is 1:17:31
